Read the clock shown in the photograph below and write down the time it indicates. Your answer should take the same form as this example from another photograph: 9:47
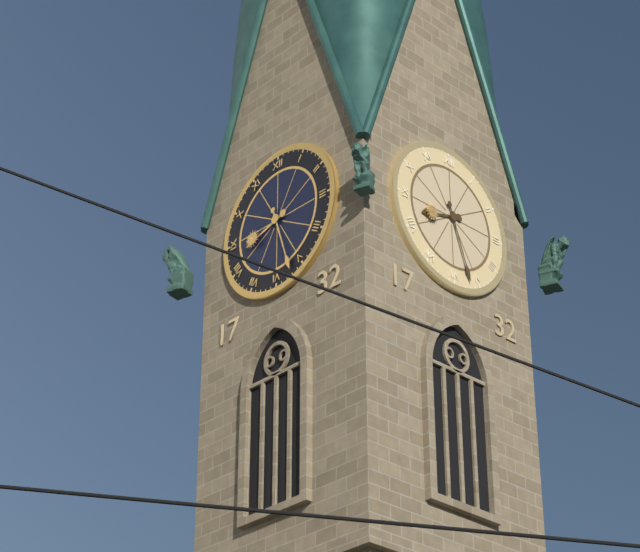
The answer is 8:27
